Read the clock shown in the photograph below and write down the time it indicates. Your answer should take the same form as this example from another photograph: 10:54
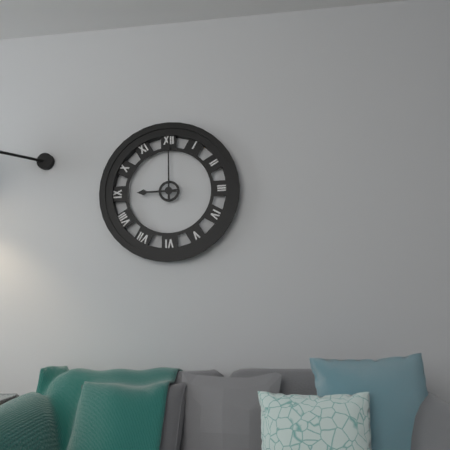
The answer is 9:00
